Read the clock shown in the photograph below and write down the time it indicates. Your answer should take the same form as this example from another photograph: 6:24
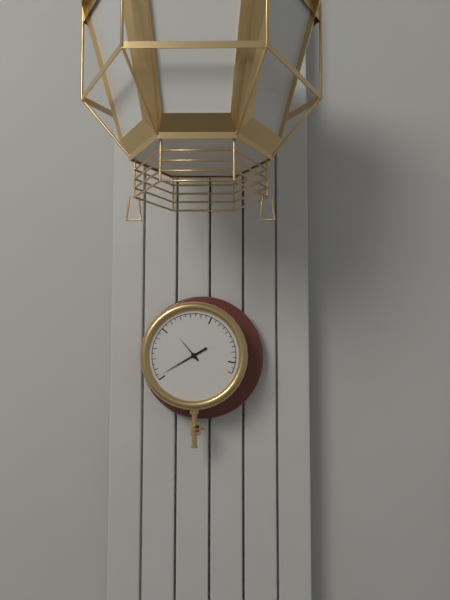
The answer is 10:40
